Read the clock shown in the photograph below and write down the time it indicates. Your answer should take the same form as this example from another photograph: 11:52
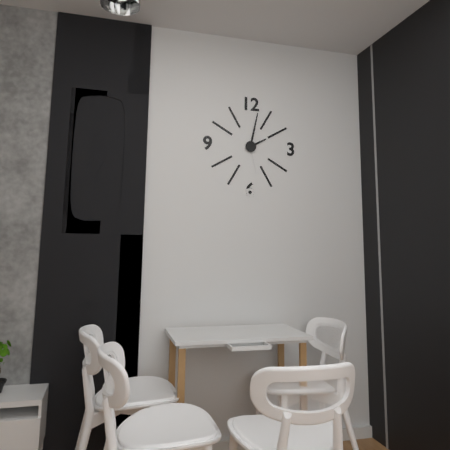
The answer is 2:02
